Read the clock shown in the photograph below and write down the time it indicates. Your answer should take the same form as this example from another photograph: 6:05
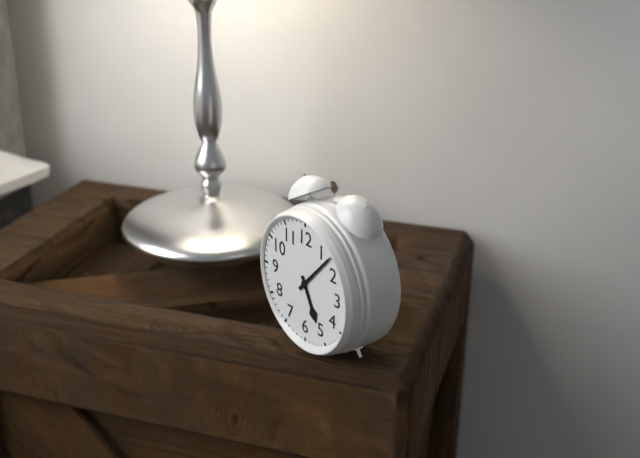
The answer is 5:07
